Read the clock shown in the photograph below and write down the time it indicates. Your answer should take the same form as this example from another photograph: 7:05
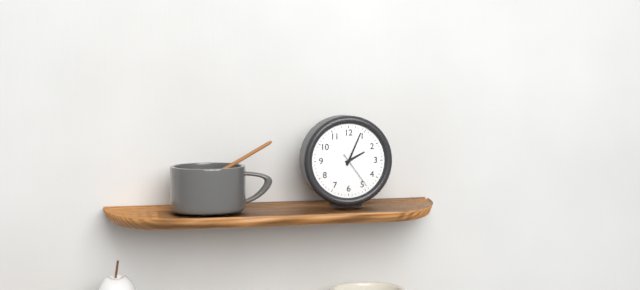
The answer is 2:04
